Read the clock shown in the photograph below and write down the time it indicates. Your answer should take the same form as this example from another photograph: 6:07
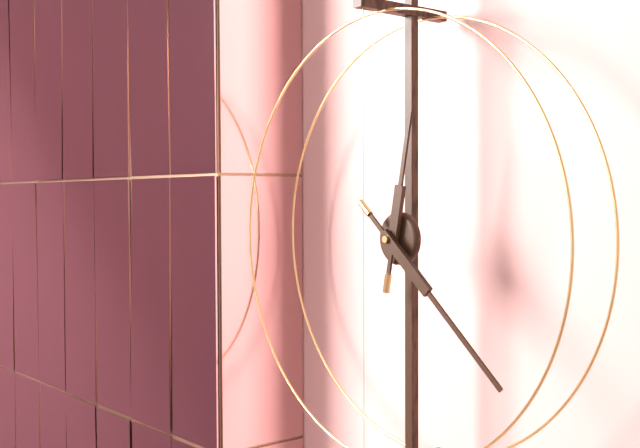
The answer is 12:22
